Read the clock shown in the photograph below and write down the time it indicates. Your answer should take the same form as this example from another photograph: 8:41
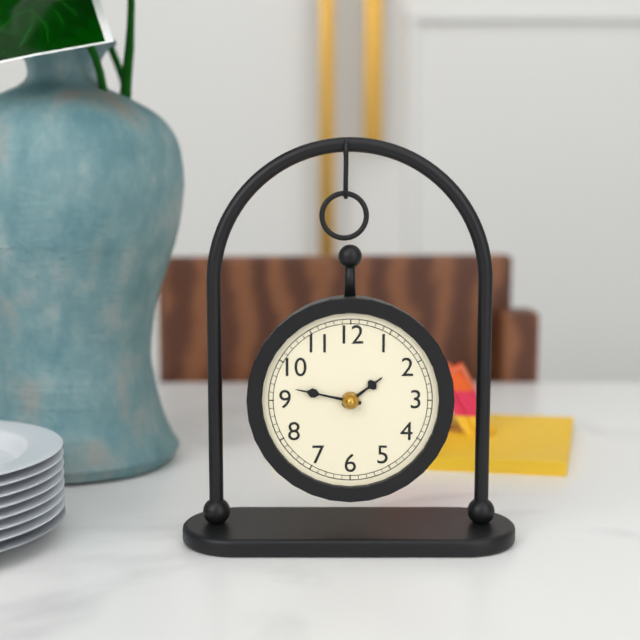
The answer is 1:47
